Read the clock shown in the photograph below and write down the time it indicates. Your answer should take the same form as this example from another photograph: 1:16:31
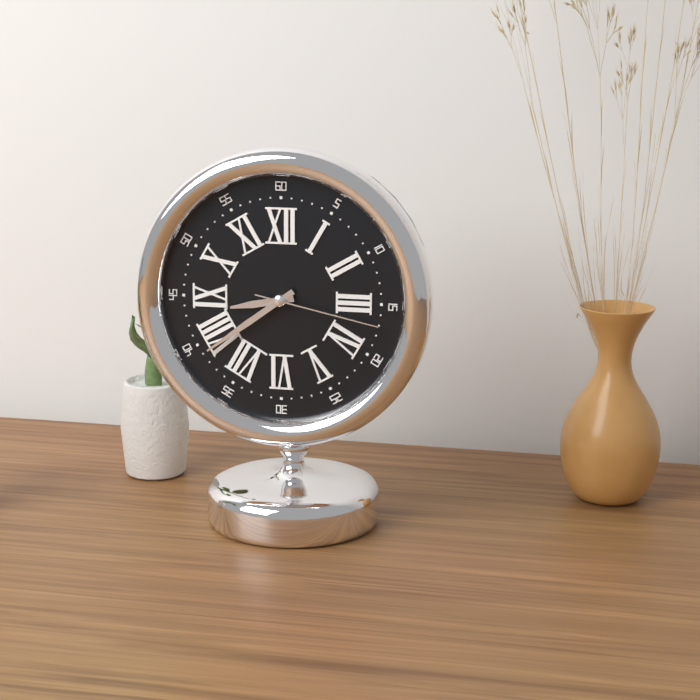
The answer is 8:39:17
